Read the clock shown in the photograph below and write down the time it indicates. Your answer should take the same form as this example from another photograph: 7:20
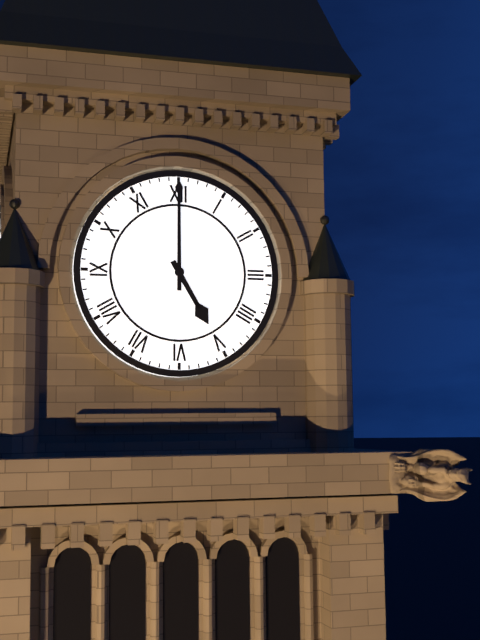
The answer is 5:00
